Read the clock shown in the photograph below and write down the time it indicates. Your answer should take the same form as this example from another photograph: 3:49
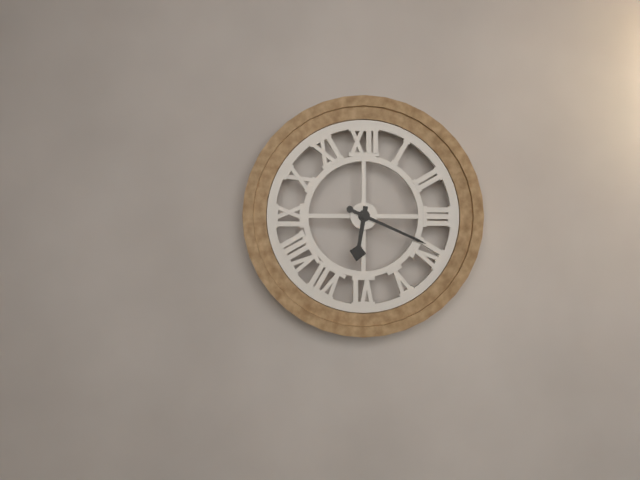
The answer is 6:19
